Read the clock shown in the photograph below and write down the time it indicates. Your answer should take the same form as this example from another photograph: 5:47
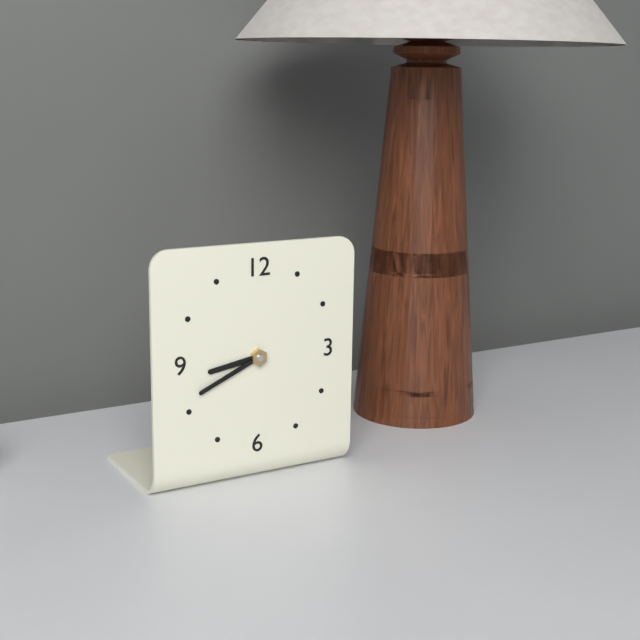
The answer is 8:41
